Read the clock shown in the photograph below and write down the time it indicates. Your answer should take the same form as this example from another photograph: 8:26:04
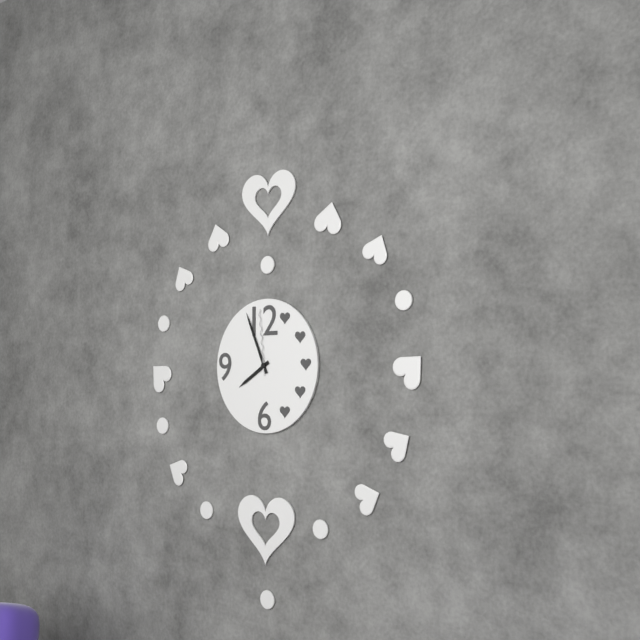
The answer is 7:56:59
